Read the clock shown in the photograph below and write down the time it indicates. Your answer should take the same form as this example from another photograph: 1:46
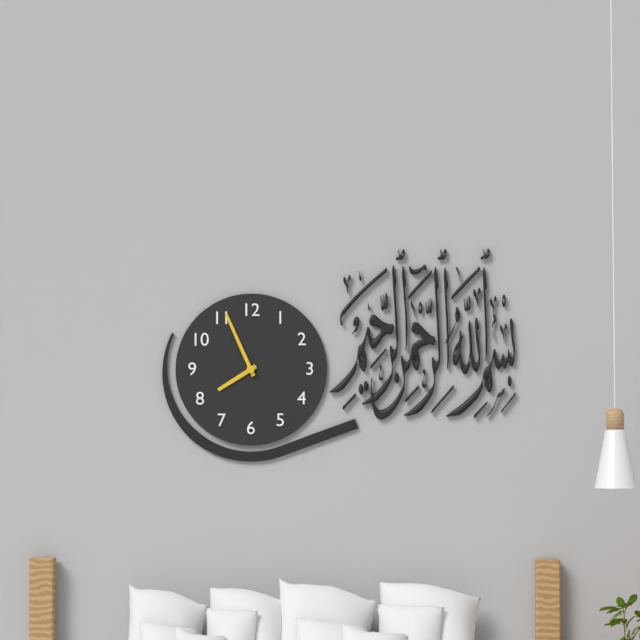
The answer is 7:56
